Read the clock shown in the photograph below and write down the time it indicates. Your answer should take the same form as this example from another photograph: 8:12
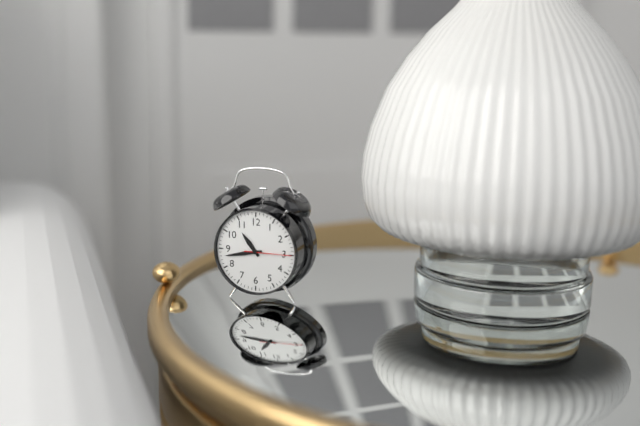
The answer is 10:43
